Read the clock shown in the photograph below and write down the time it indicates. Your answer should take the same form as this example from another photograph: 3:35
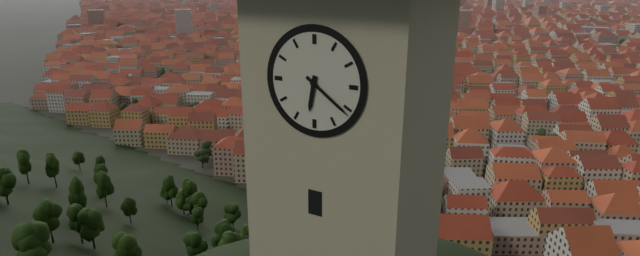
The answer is 6:21
